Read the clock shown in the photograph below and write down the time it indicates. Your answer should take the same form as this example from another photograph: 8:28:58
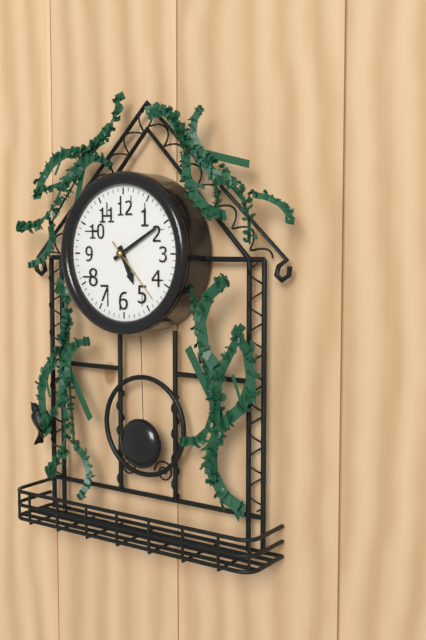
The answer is 5:10:23
